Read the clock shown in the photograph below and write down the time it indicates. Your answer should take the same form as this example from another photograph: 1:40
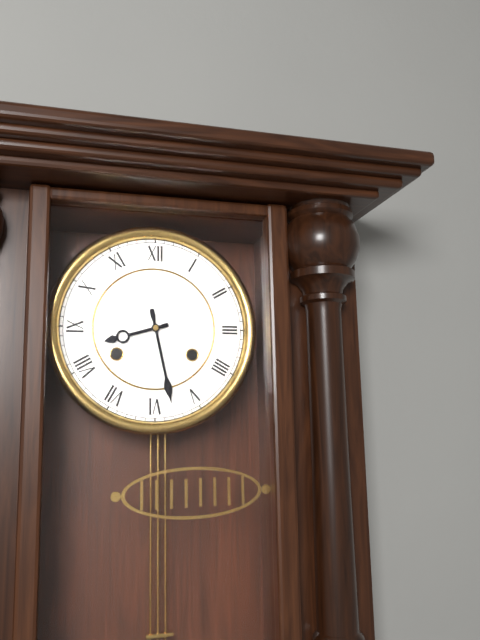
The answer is 8:28
